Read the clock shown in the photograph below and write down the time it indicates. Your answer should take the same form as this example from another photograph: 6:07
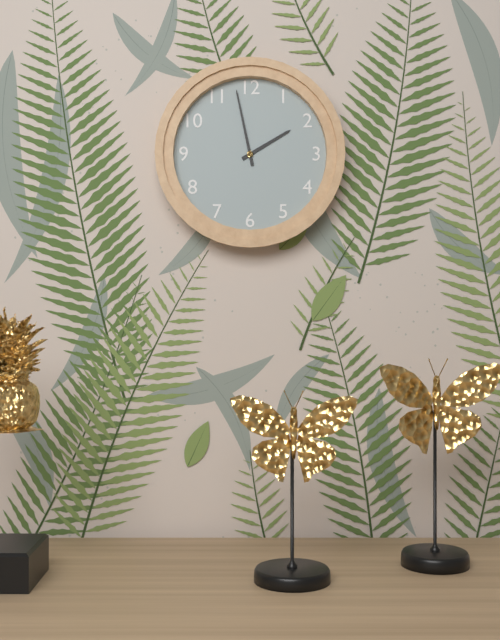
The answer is 1:58
